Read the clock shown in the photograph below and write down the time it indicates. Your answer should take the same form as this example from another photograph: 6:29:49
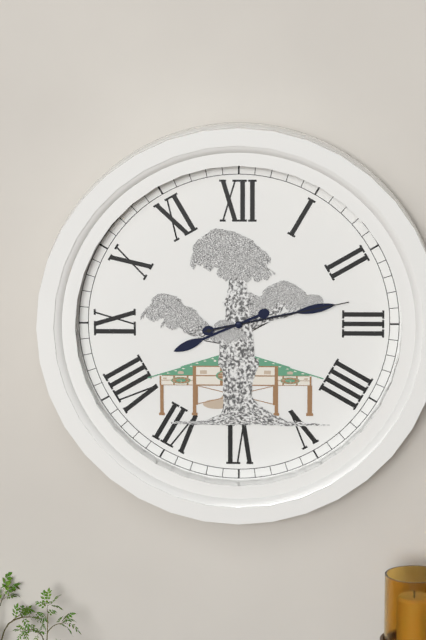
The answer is 8:13:13
